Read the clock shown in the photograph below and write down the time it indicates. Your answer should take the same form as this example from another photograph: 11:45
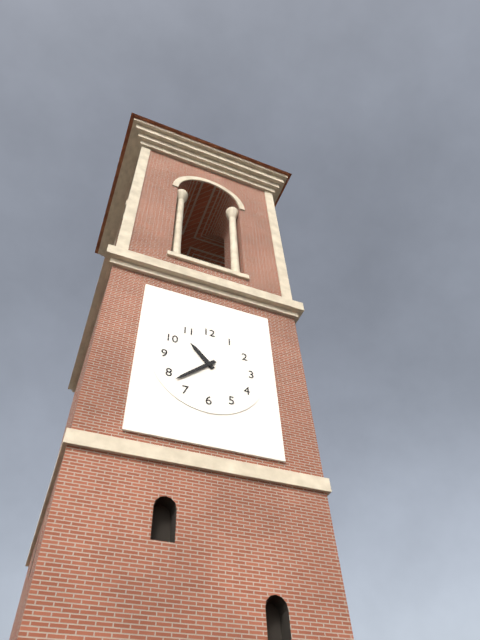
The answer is 10:38
